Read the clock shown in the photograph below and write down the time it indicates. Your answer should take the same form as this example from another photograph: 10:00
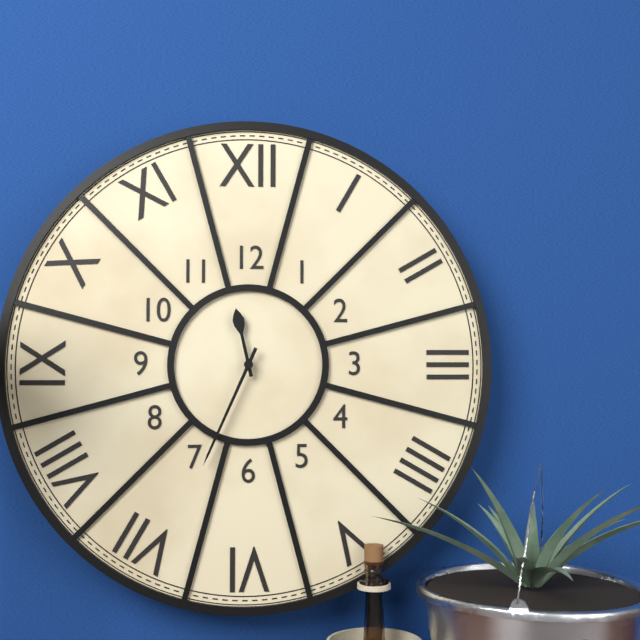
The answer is 11:34
